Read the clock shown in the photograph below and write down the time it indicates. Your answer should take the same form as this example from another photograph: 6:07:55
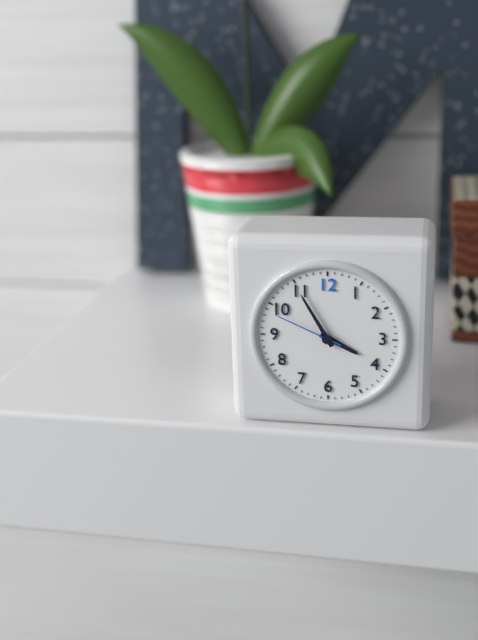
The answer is 3:55:49
